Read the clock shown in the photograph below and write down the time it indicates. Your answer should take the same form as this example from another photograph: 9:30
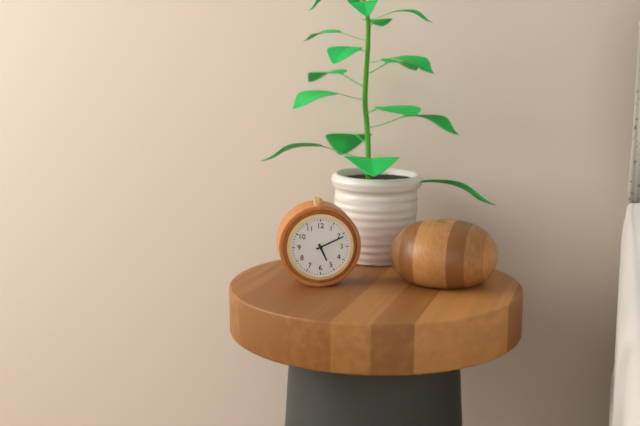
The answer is 5:11
